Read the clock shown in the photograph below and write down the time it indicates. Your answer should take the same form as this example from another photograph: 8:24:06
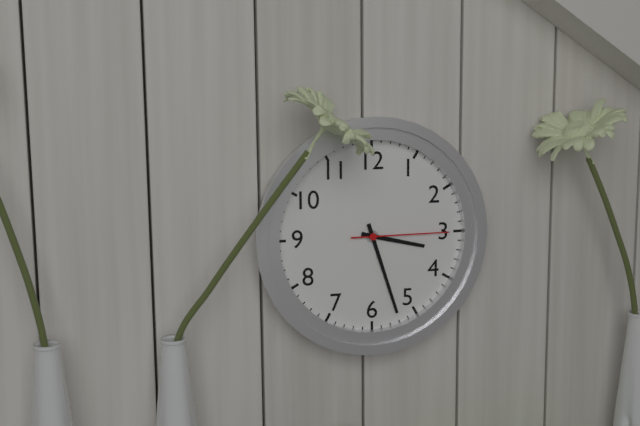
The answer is 3:27:15
